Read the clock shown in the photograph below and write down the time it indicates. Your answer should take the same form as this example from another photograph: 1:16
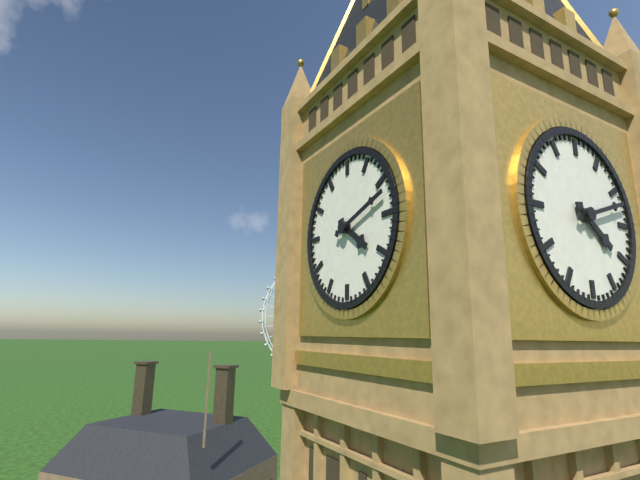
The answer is 4:12
